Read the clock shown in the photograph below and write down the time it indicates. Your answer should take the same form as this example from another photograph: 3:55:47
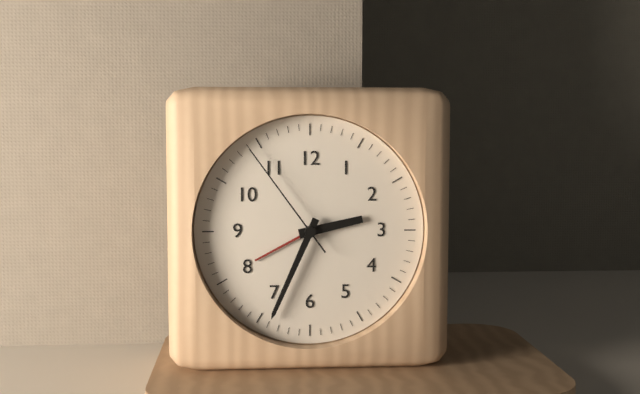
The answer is 2:34:54
